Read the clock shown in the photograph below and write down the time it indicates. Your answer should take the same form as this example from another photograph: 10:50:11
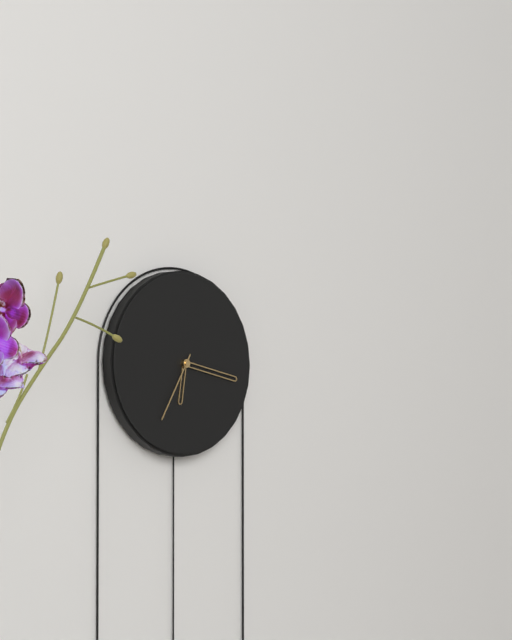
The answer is 6:17:35
